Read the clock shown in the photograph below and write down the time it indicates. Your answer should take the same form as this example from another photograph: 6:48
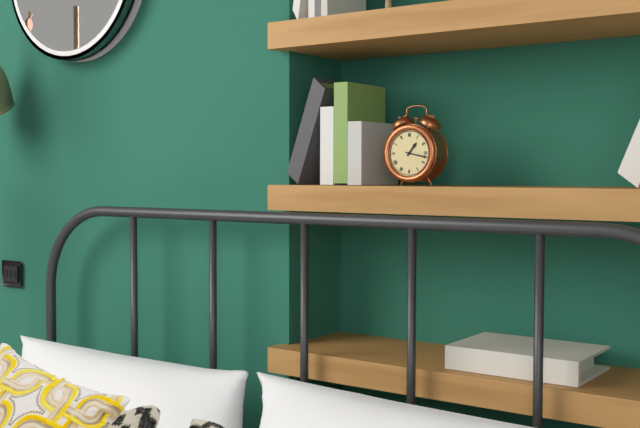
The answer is 1:17
